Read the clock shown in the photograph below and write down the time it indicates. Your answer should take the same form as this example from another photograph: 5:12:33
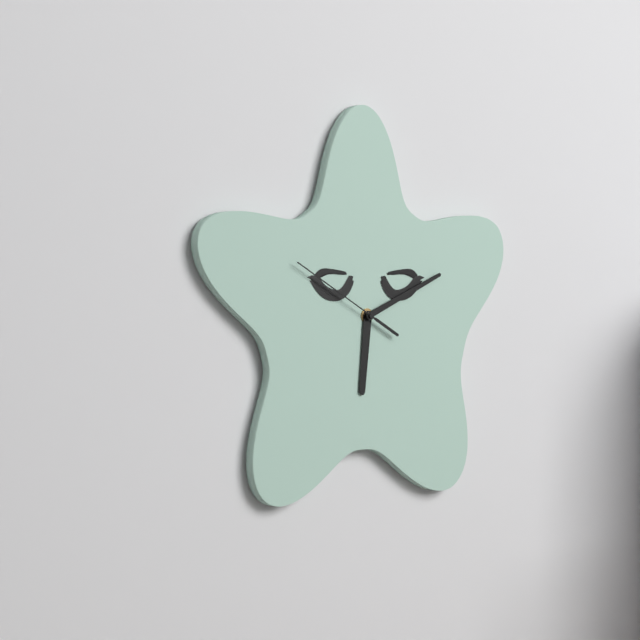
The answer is 6:11:50
